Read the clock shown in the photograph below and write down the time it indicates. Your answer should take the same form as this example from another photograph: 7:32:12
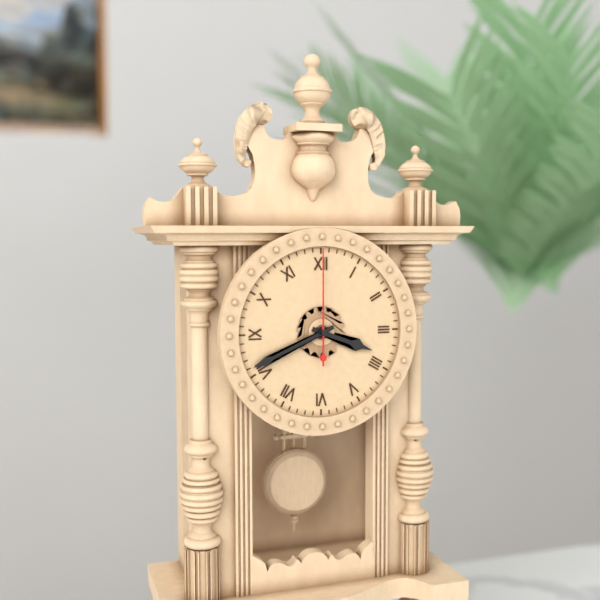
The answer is 3:41:00
